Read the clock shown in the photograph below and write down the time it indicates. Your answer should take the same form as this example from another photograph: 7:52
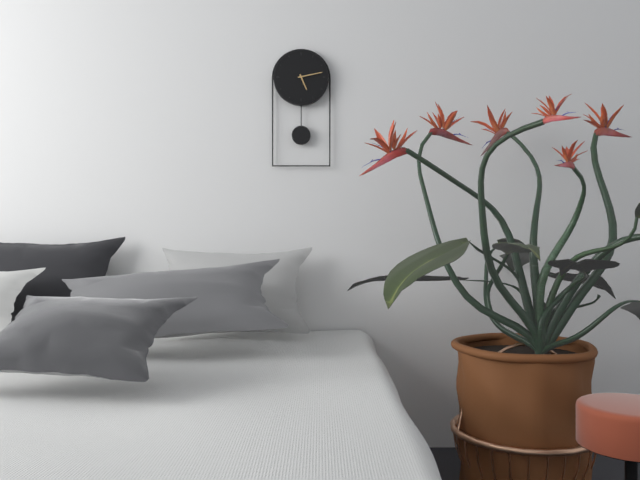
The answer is 5:13
